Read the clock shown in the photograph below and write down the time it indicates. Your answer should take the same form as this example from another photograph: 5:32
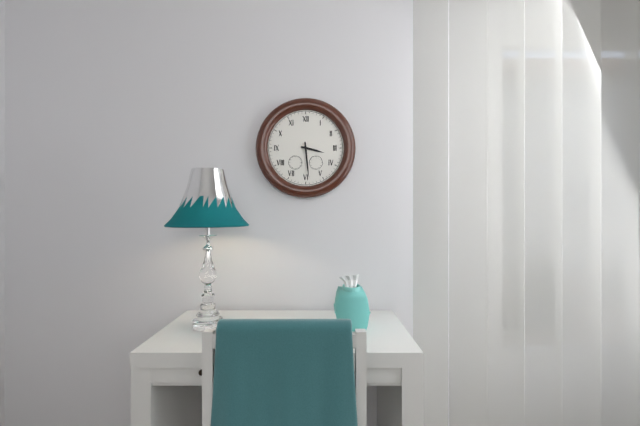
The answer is 3:29
